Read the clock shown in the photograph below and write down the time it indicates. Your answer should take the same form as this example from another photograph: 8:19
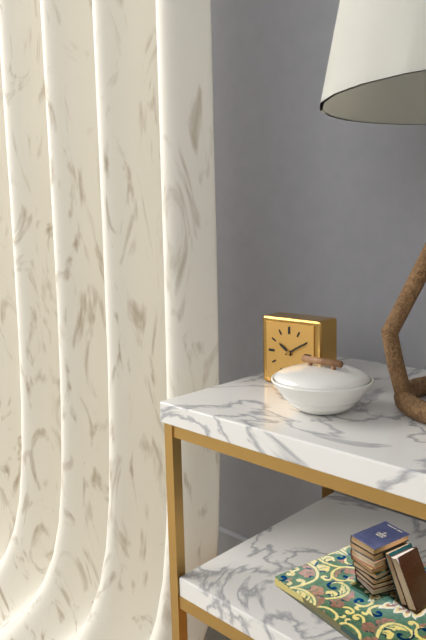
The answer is 10:10
